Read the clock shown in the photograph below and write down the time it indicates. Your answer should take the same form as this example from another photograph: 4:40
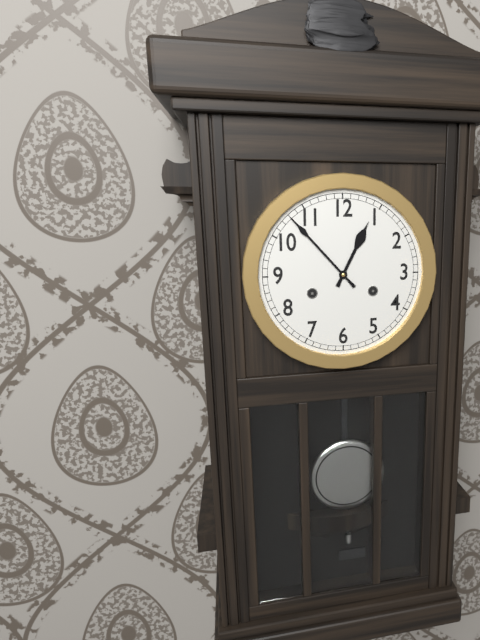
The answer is 12:53
